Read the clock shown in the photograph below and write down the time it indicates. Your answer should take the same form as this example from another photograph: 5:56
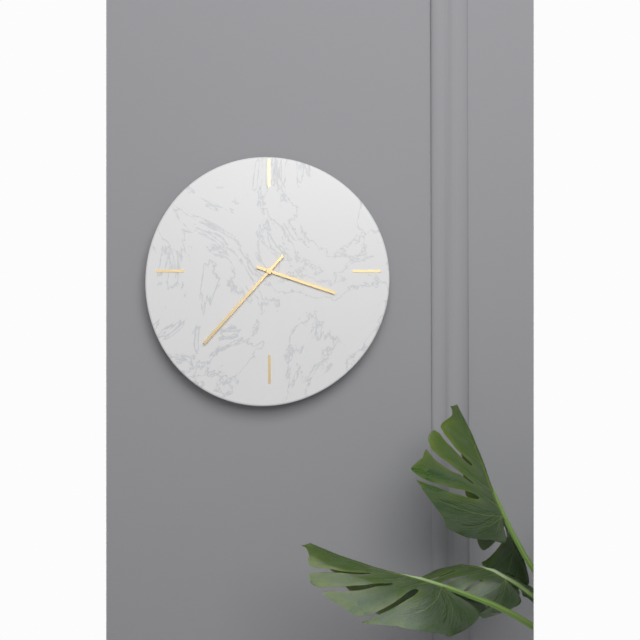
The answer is 3:37
